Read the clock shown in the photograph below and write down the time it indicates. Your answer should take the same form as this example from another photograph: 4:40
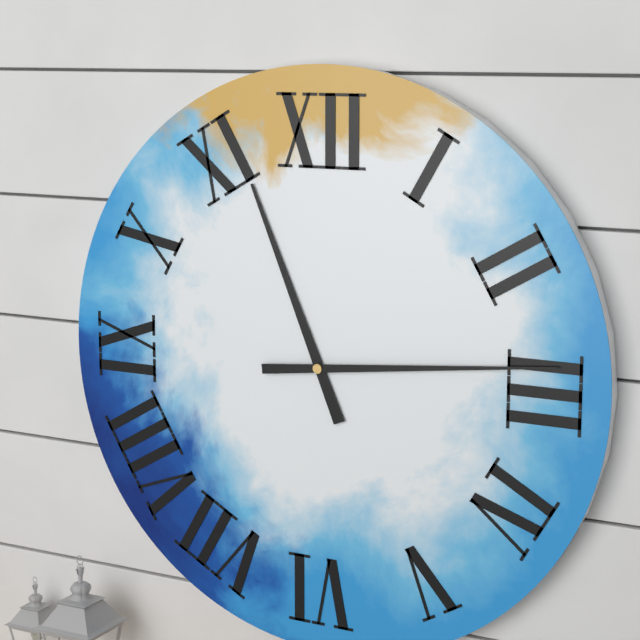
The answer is 11:14
